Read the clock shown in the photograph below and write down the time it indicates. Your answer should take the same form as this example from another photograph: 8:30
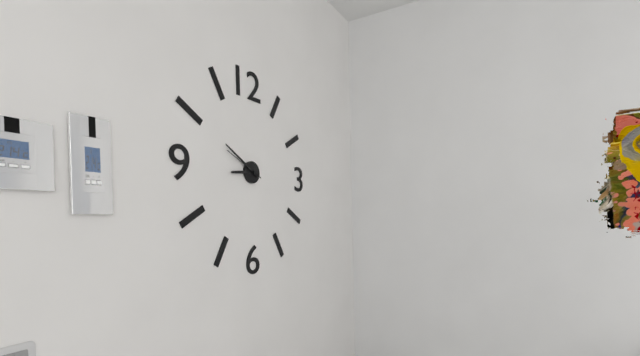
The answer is 8:50
